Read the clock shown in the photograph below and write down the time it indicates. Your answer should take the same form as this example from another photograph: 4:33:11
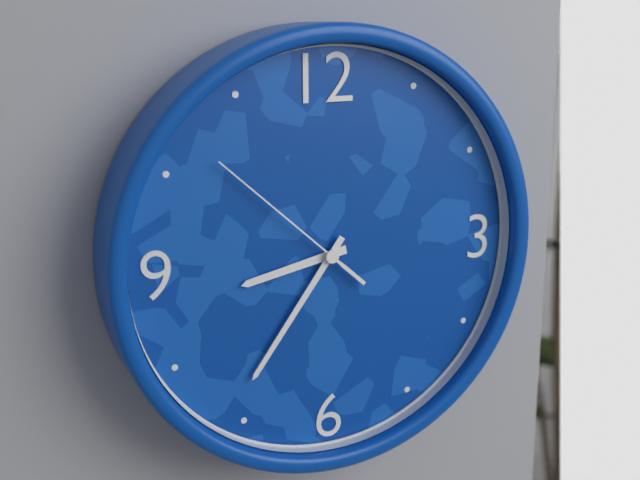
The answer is 8:36:52
